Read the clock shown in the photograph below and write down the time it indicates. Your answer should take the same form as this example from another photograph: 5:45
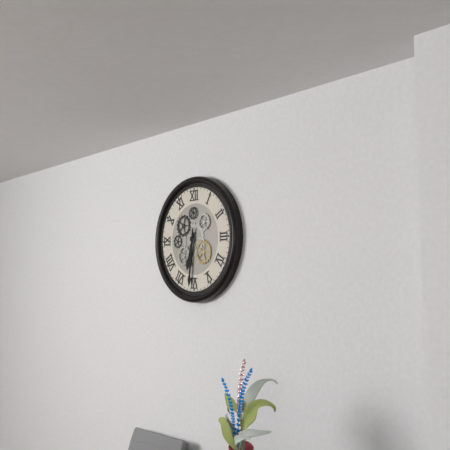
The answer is 6:31
